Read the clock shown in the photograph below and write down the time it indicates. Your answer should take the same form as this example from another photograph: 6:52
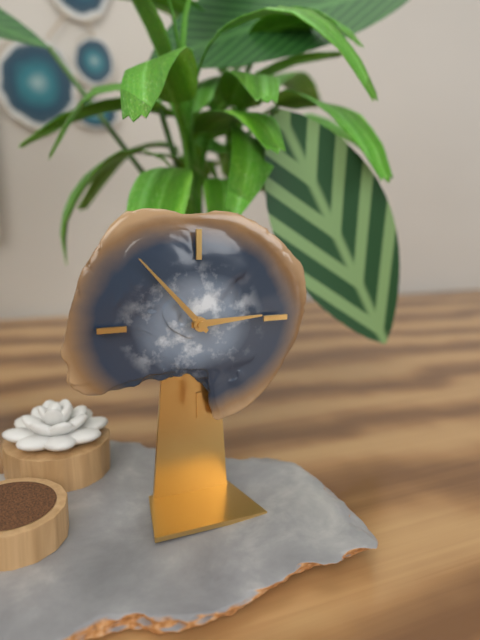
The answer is 2:53
